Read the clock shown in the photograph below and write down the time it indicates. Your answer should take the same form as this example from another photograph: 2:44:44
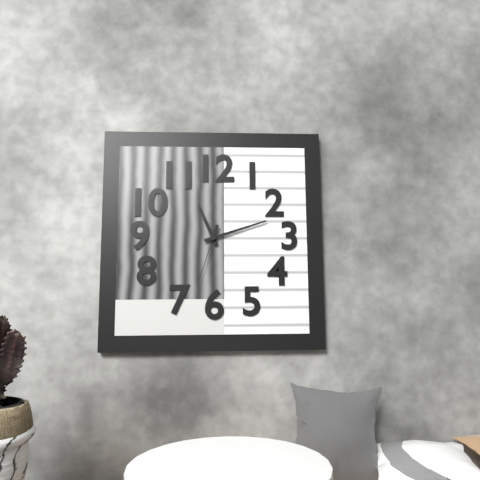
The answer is 11:12:33
